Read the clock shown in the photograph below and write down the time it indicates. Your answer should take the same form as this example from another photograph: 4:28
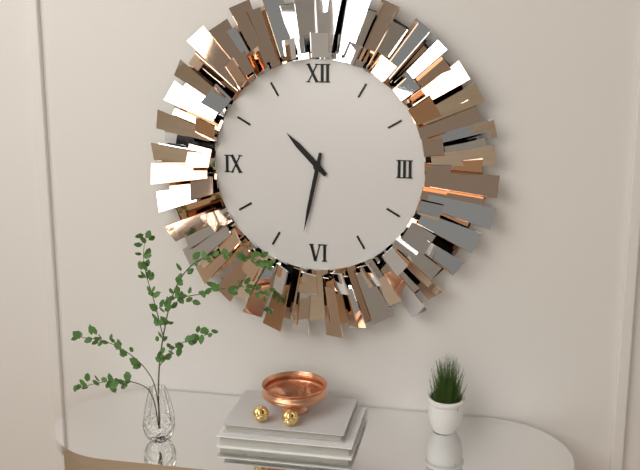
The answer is 10:32
